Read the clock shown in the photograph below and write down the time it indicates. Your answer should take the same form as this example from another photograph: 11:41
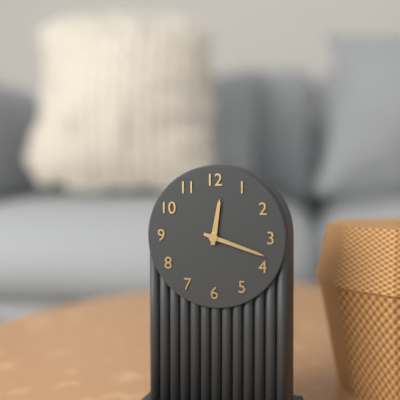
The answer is 12:18
